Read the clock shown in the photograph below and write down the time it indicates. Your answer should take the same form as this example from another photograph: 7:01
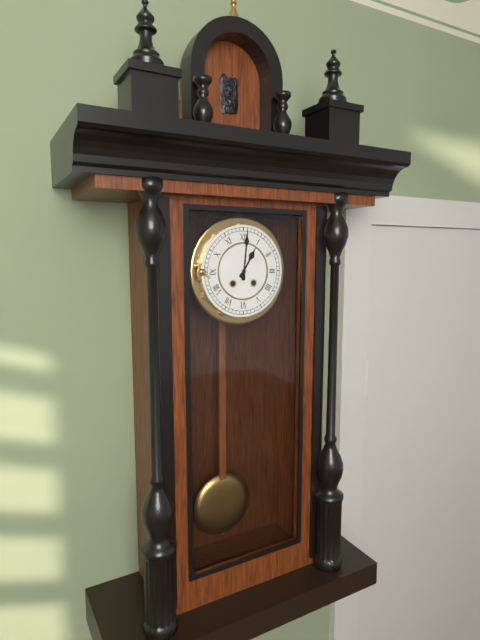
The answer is 1:01
